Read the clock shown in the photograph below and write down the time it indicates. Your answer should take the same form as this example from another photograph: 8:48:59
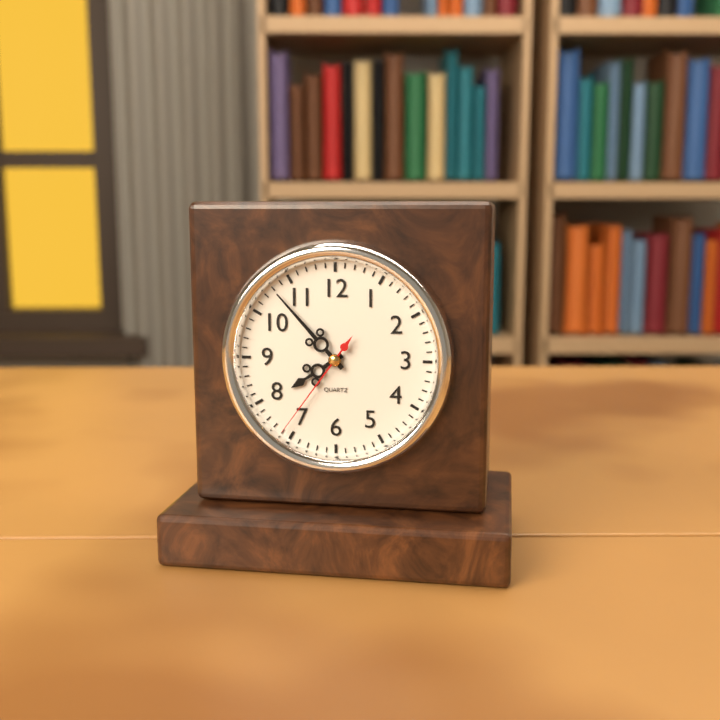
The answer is 7:53:36
